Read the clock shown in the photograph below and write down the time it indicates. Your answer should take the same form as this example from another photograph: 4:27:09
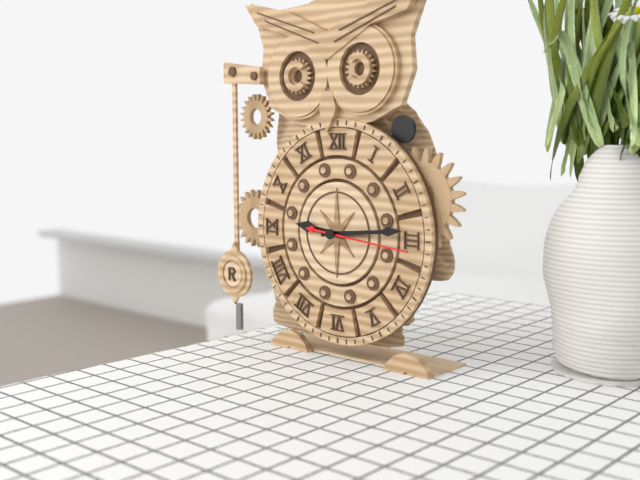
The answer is 9:14:16
